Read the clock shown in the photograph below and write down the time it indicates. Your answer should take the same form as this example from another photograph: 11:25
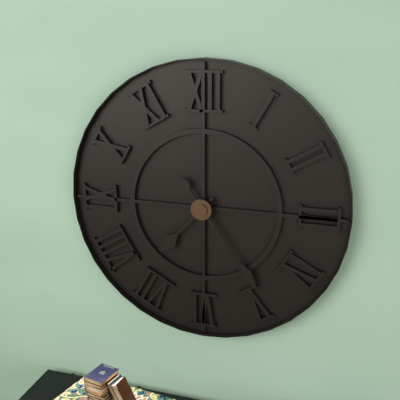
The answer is 7:24
